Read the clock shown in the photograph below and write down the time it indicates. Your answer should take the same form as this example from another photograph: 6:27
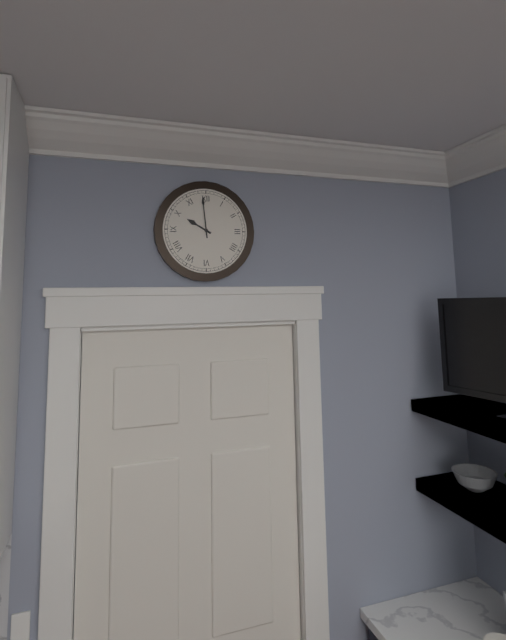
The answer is 9:59
